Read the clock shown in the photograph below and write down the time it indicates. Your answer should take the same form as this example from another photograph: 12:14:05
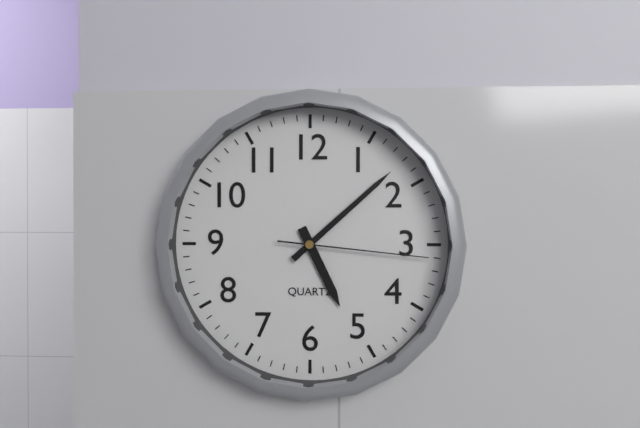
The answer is 5:08:16
